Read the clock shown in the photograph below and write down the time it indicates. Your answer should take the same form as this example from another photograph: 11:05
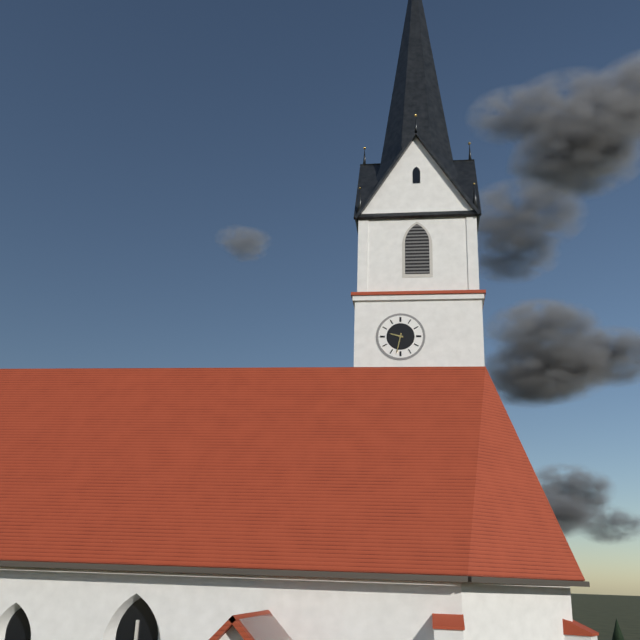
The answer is 9:32
